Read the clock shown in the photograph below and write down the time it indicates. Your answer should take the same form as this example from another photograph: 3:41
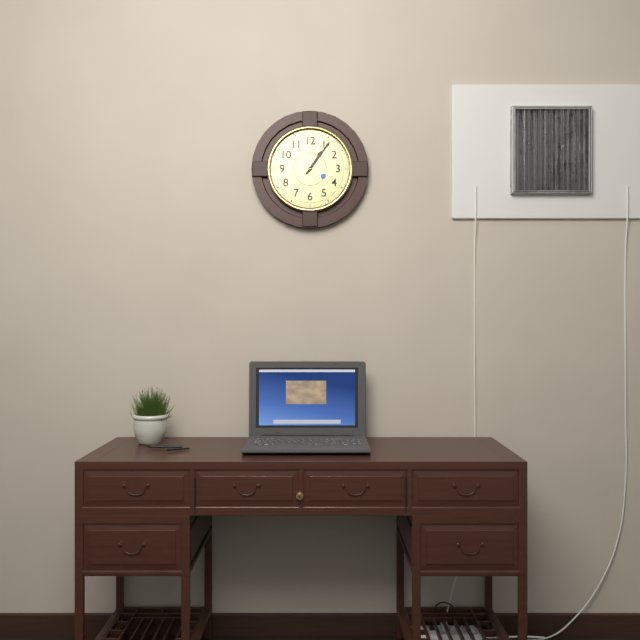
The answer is 1:06
